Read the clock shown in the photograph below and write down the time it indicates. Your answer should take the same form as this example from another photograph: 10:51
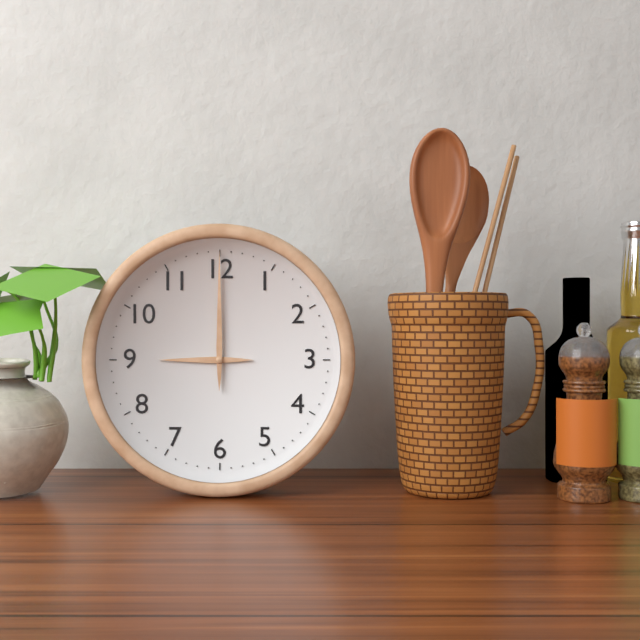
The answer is 9:00
